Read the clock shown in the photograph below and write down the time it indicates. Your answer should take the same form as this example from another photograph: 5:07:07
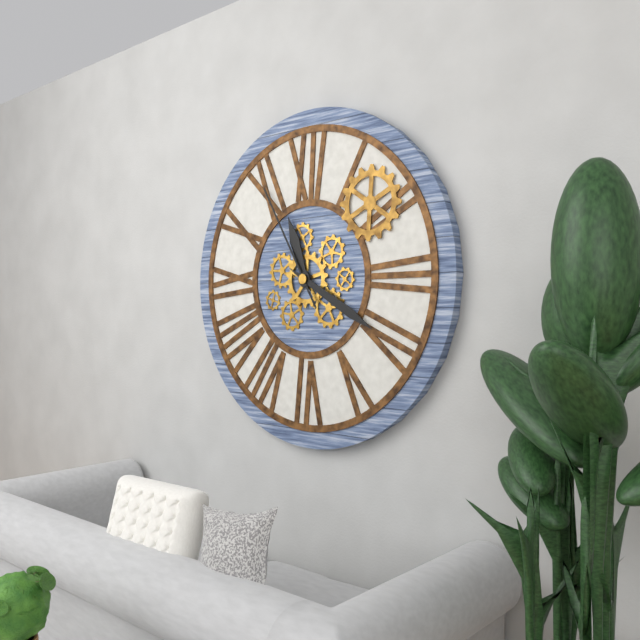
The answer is 11:20:55
